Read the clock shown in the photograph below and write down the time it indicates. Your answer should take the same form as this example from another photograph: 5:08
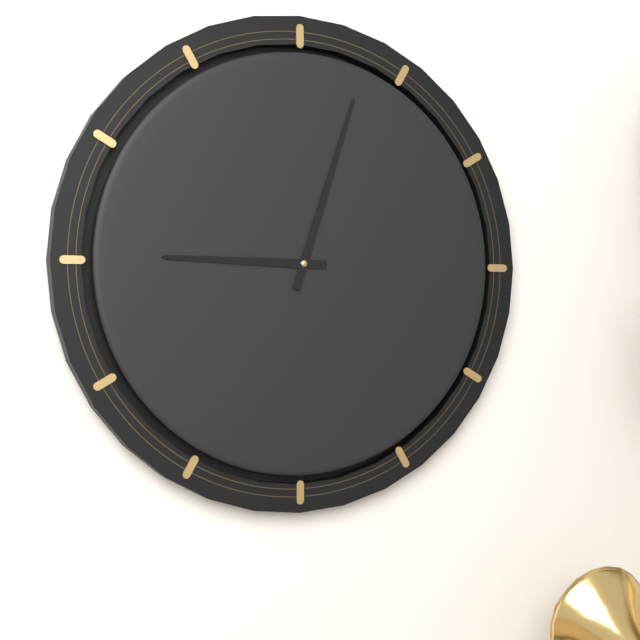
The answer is 9:03
